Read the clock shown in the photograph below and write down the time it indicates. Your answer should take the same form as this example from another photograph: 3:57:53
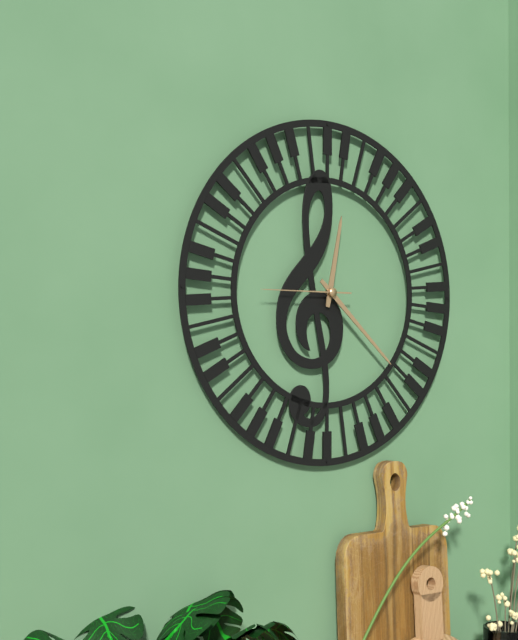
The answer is 12:22:45
